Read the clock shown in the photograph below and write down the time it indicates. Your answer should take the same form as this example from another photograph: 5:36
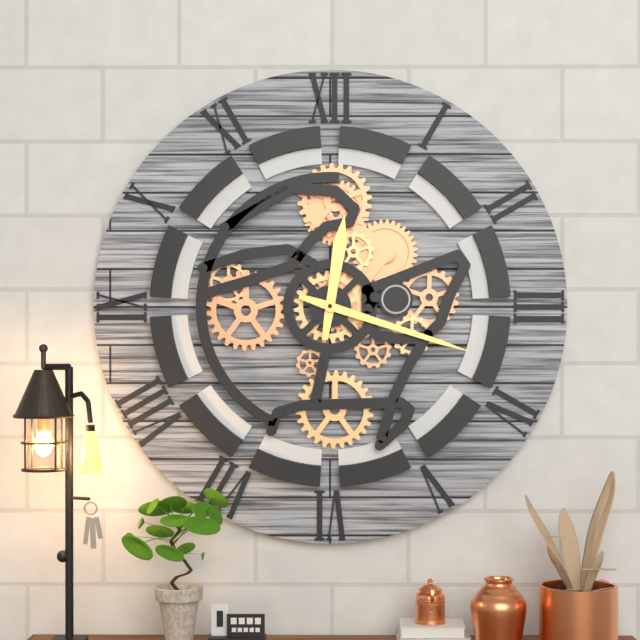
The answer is 12:18
